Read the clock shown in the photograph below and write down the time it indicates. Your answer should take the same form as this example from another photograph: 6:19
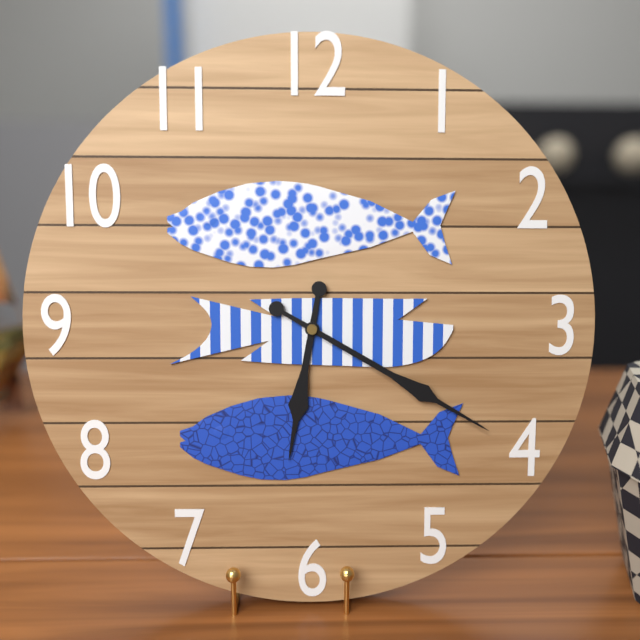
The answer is 6:20
